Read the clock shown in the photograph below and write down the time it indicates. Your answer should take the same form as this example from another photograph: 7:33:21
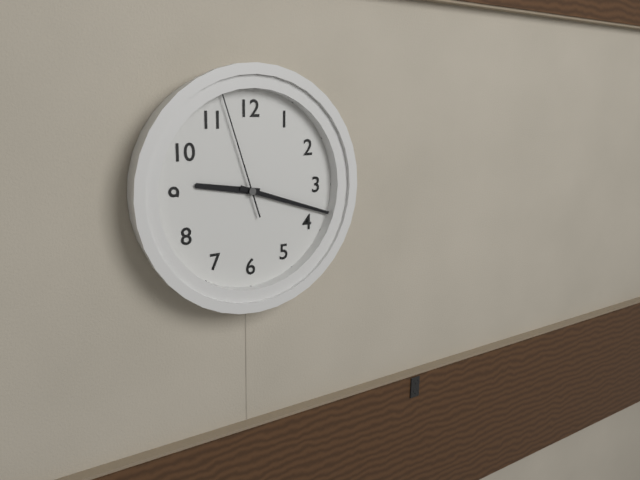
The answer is 9:18:57
